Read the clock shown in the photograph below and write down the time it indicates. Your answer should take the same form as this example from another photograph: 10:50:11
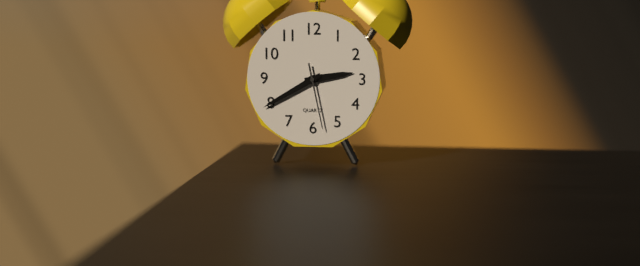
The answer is 2:40:28
